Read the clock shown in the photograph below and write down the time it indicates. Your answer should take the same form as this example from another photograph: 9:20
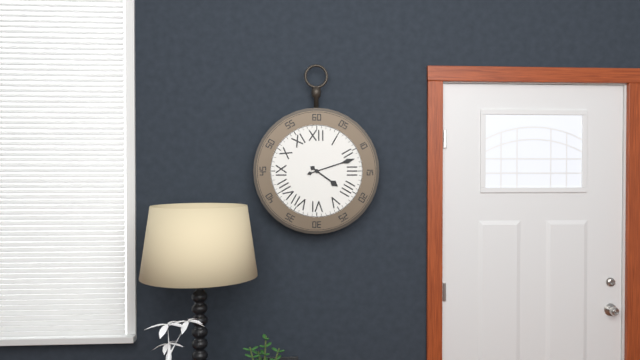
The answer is 4:12
